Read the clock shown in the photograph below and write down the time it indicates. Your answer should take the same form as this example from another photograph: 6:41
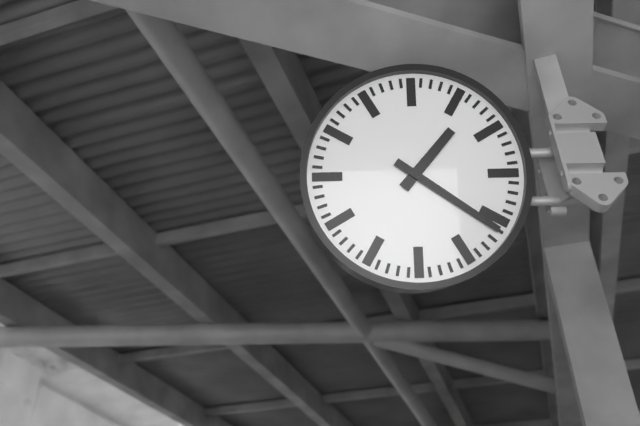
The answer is 1:21
